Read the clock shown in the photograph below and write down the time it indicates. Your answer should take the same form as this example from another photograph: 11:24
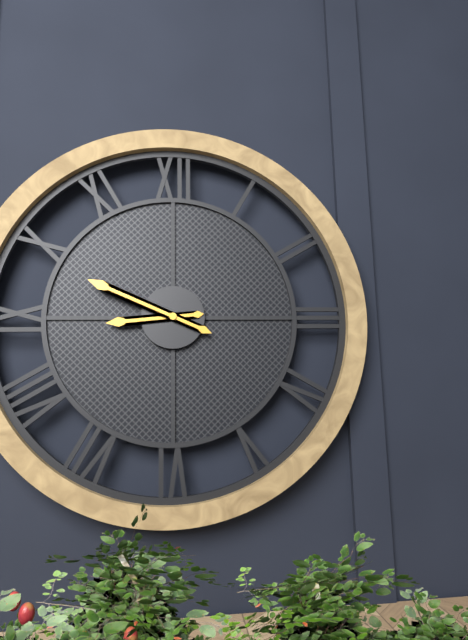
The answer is 8:49
